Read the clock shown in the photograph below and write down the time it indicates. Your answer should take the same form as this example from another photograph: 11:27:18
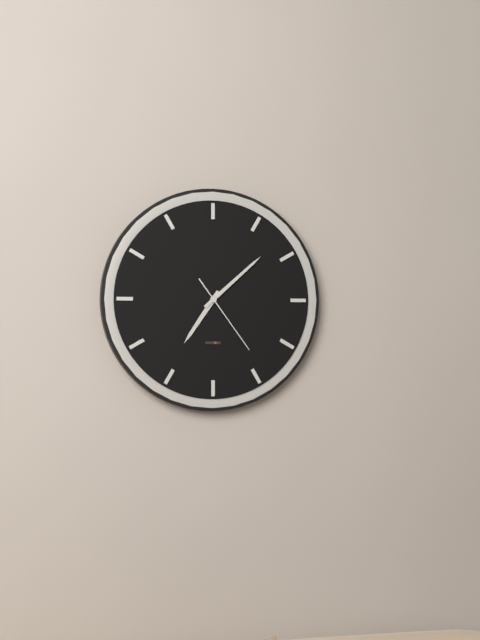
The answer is 7:08:24
